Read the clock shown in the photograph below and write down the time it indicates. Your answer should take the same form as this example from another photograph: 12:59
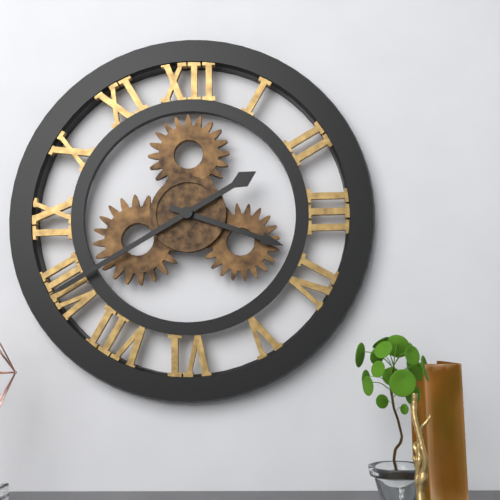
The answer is 3:40
